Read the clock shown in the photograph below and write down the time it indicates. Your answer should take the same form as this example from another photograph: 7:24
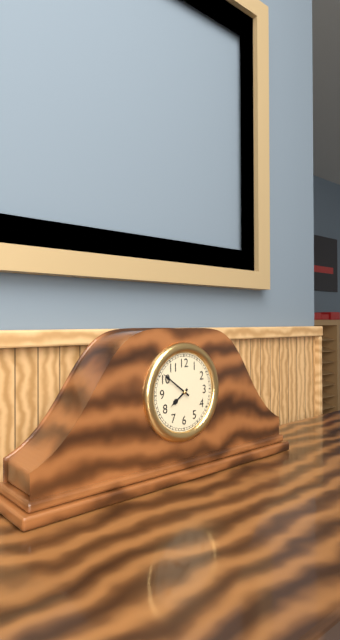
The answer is 7:51
